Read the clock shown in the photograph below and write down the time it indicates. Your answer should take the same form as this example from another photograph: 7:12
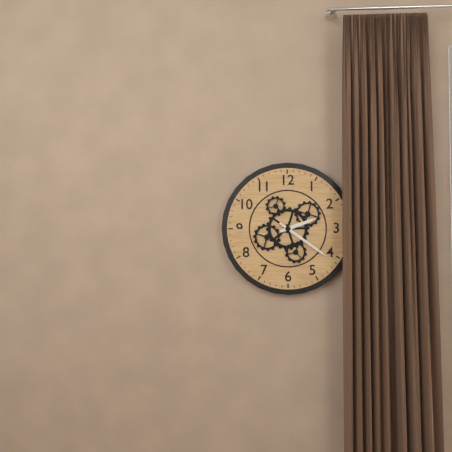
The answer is 2:21
